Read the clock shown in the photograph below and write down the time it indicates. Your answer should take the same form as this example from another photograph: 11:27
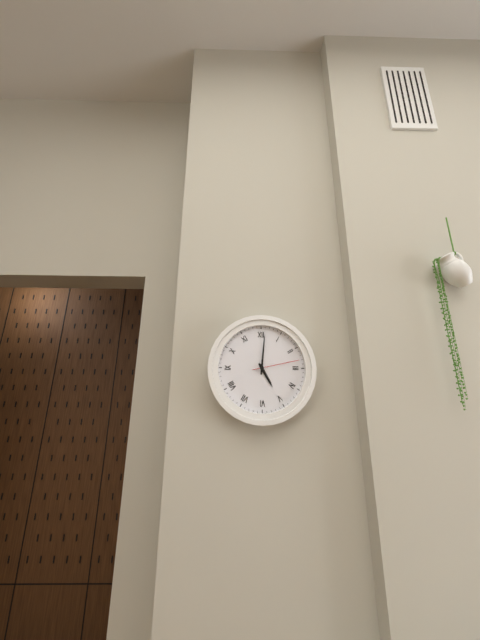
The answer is 5:01
